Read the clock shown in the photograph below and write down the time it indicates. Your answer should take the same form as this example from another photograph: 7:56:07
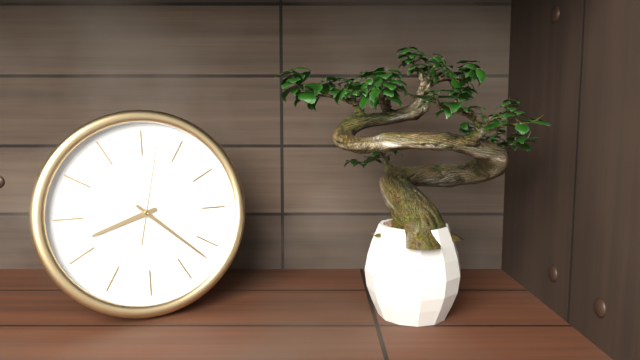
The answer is 8:22:02
